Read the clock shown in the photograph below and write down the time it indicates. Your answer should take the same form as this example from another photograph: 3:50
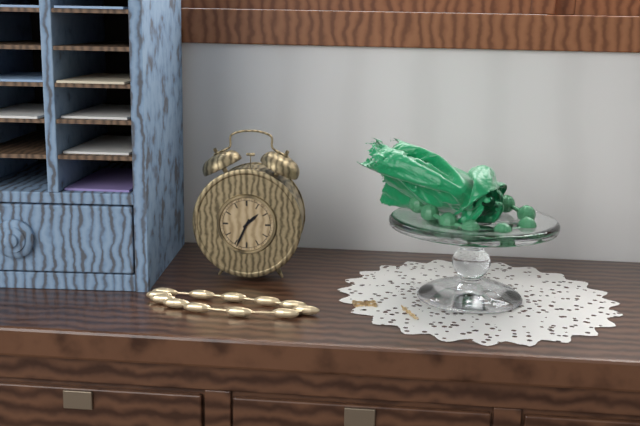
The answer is 1:34
